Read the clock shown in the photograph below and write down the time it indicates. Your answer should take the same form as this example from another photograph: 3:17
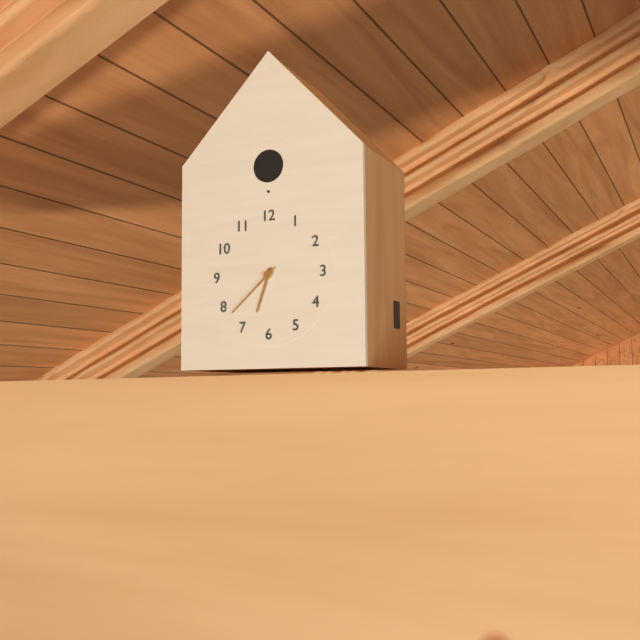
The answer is 6:38
